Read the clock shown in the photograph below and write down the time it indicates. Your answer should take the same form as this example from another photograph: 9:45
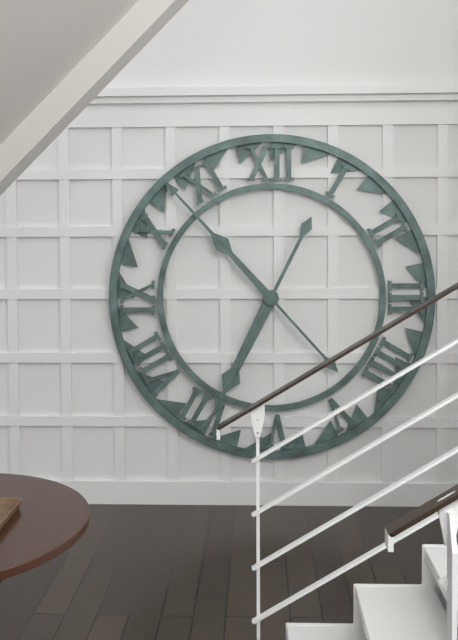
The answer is 6:53
